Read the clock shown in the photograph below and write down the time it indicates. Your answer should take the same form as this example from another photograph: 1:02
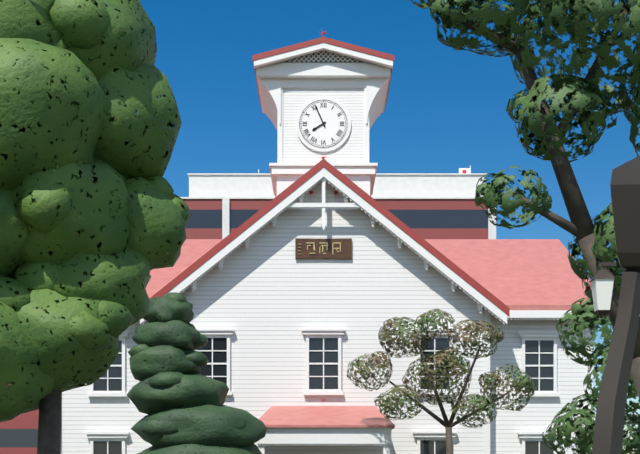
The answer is 7:56
